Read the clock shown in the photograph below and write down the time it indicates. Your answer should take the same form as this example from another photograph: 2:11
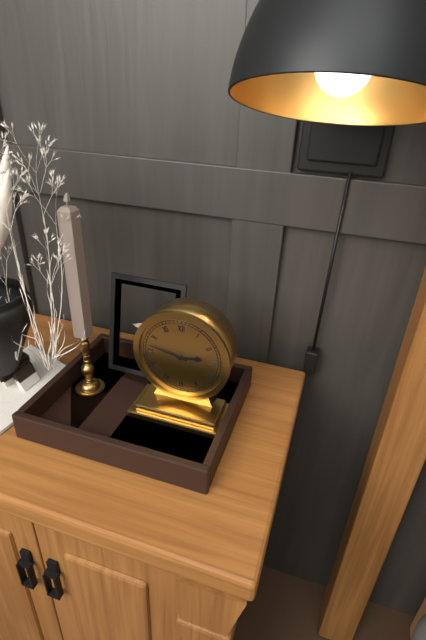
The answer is 2:47
